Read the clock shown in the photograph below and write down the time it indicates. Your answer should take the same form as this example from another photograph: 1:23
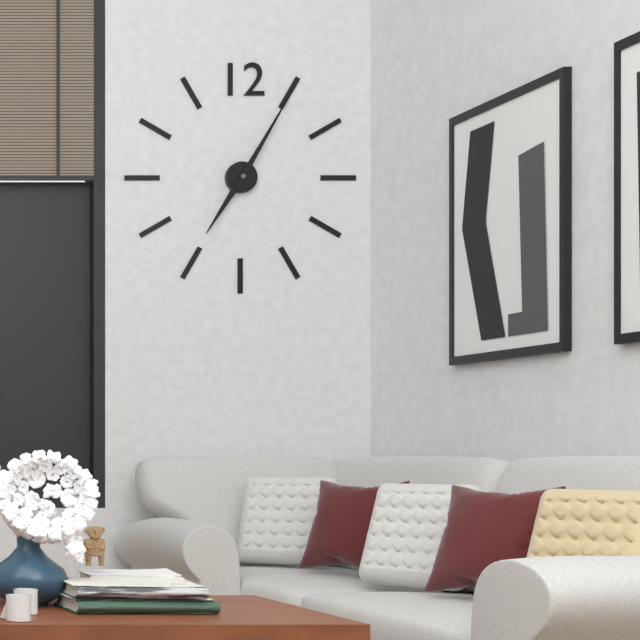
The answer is 7:05
